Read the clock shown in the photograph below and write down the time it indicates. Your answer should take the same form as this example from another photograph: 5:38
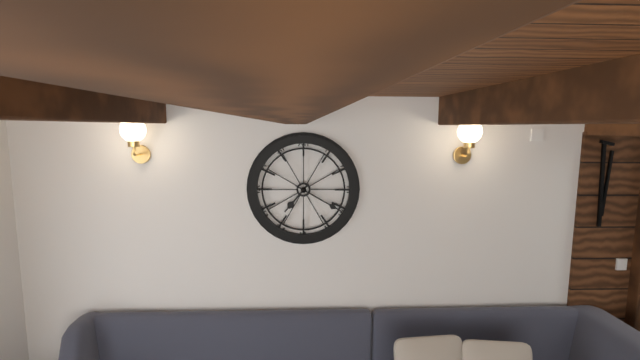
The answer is 7:20
